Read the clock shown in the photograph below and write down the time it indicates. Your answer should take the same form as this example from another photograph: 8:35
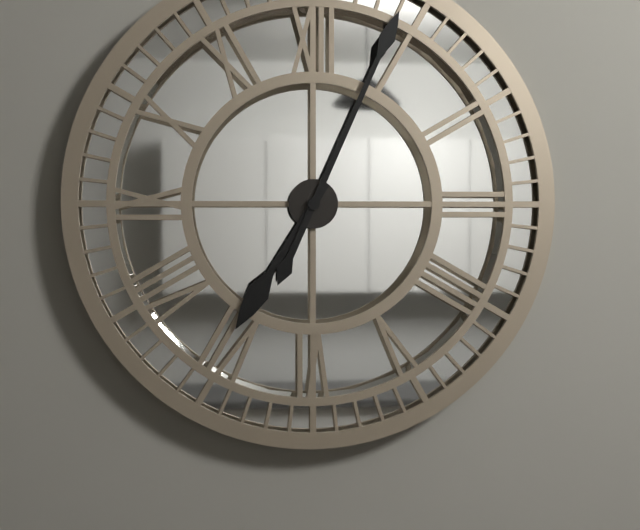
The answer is 7:04
